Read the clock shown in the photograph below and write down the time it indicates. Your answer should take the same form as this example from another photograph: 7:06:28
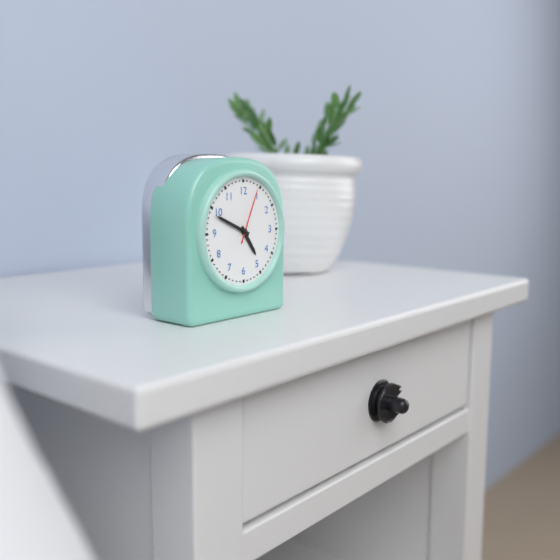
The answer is 4:49:04
